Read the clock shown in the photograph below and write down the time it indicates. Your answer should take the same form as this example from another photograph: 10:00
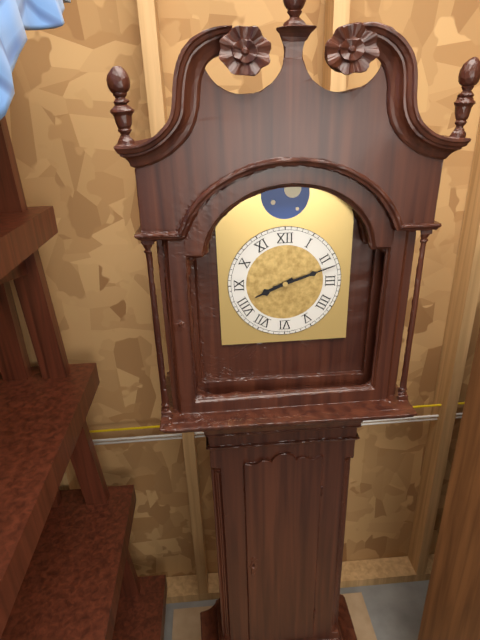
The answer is 8:12
